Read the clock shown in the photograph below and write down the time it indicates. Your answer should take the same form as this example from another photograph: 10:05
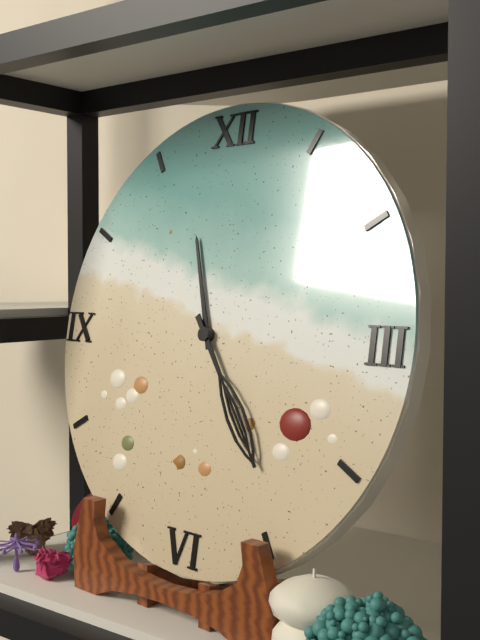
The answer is 11:24
